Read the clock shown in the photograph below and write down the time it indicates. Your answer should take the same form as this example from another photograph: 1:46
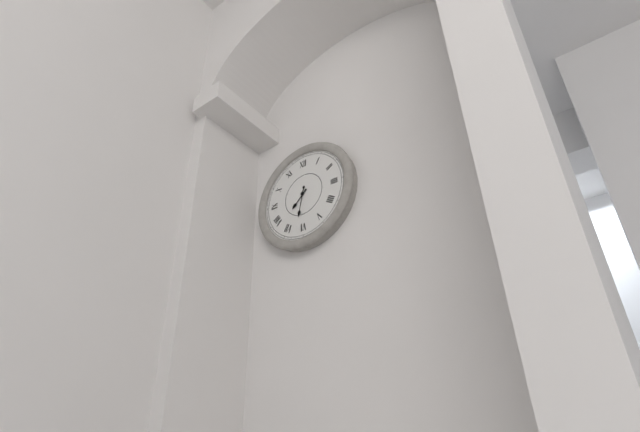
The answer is 7:32
